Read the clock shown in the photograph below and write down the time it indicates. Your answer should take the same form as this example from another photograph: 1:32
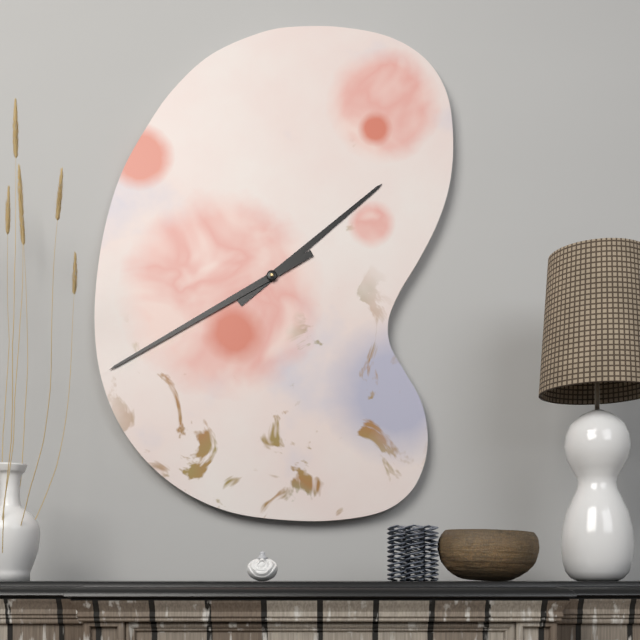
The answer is 1:40
